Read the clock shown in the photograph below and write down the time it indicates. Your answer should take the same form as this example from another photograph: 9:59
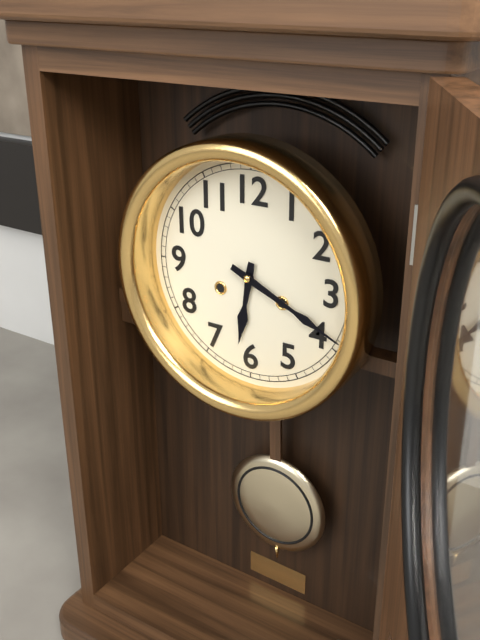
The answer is 6:19
